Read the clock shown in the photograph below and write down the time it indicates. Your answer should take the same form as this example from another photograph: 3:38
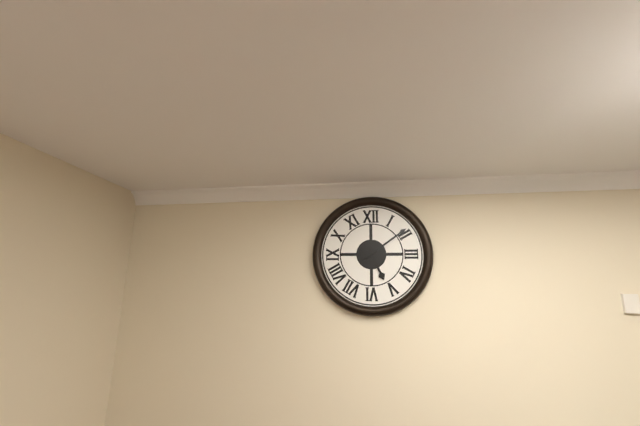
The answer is 5:09
